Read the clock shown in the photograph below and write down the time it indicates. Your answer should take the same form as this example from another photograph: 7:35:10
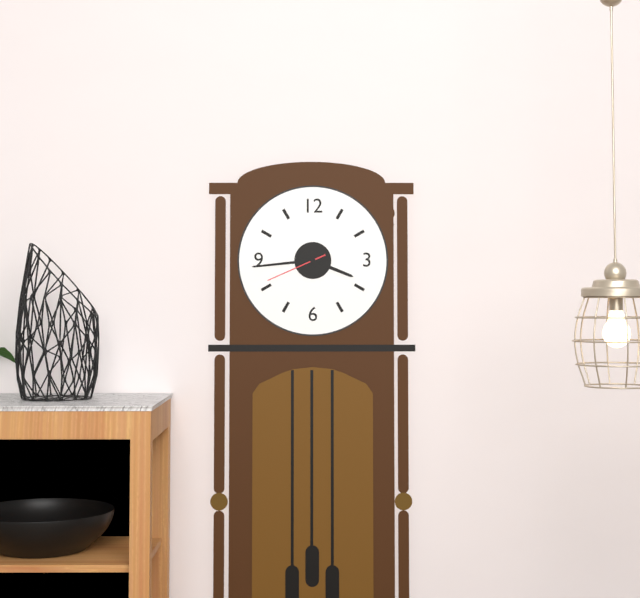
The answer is 3:44:41
